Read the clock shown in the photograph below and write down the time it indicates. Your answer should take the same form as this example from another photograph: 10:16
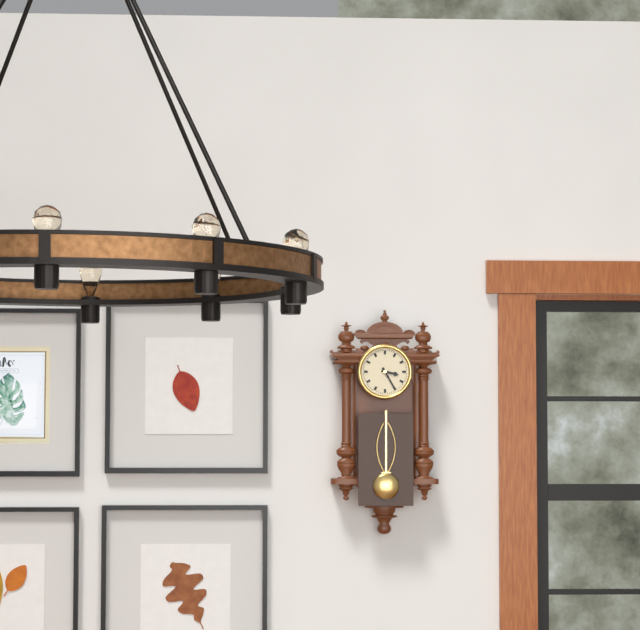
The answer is 3:25
